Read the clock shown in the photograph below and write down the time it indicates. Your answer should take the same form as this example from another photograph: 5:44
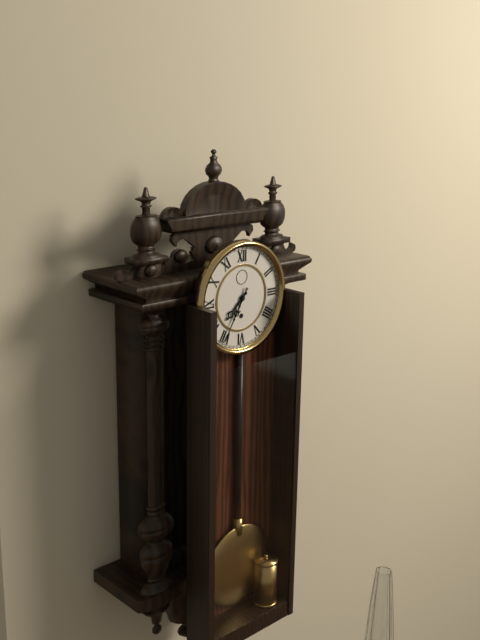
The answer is 7:35
